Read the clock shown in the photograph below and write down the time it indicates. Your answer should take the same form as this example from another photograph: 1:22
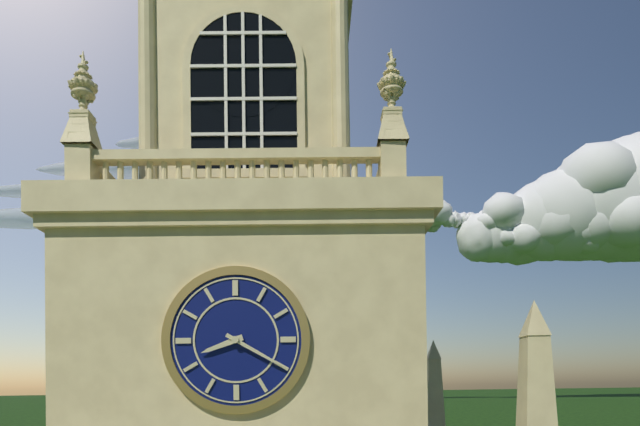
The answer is 8:20
